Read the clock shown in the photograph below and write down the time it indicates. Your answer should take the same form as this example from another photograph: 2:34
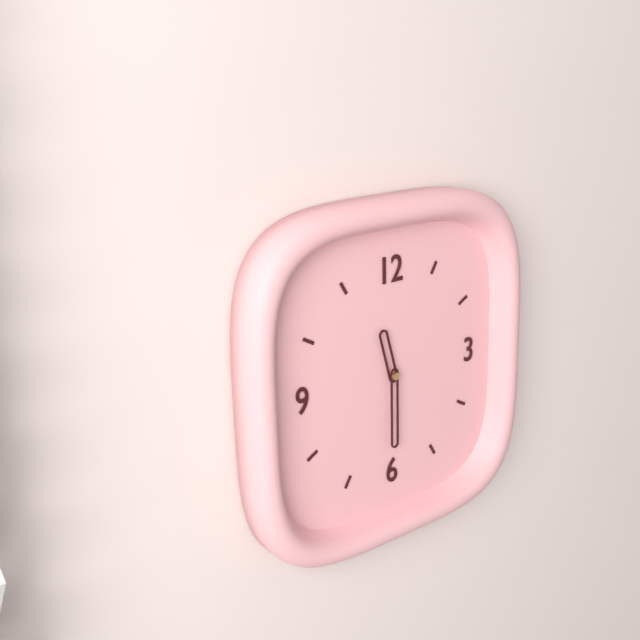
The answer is 11:30
